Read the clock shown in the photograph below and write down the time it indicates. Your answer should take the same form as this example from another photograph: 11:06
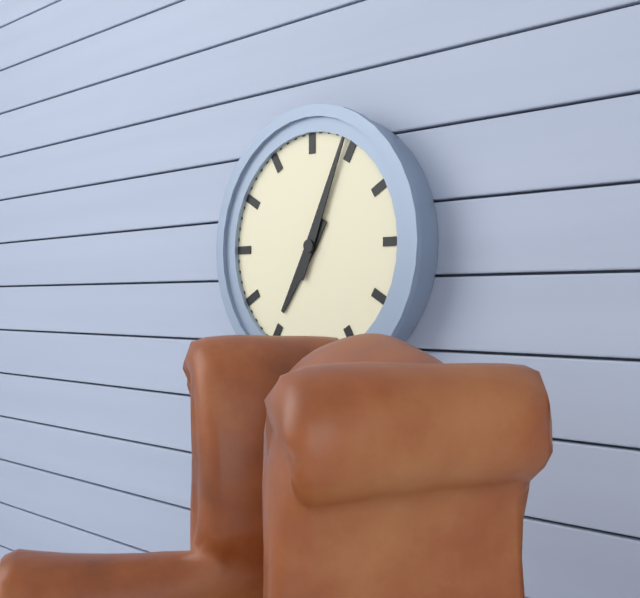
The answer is 7:04
